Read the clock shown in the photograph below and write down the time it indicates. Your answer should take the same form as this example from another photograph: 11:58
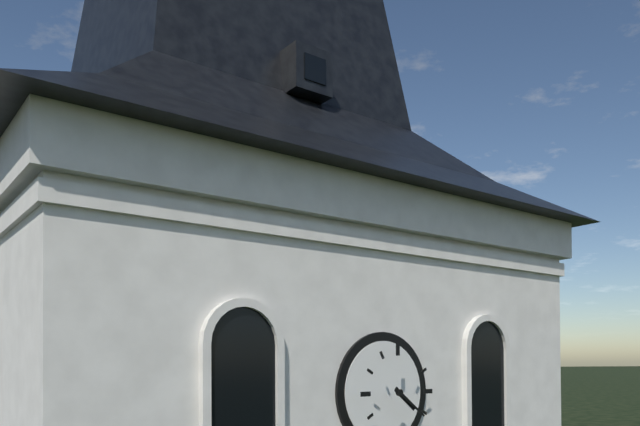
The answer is 4:21
